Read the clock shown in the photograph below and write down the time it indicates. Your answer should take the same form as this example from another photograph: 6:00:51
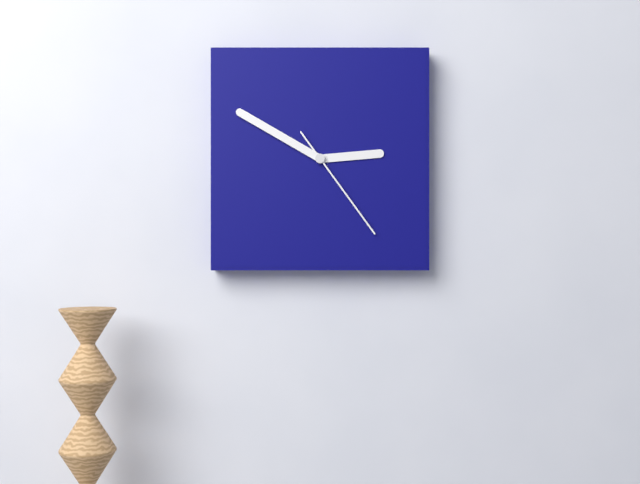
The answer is 2:50:24
